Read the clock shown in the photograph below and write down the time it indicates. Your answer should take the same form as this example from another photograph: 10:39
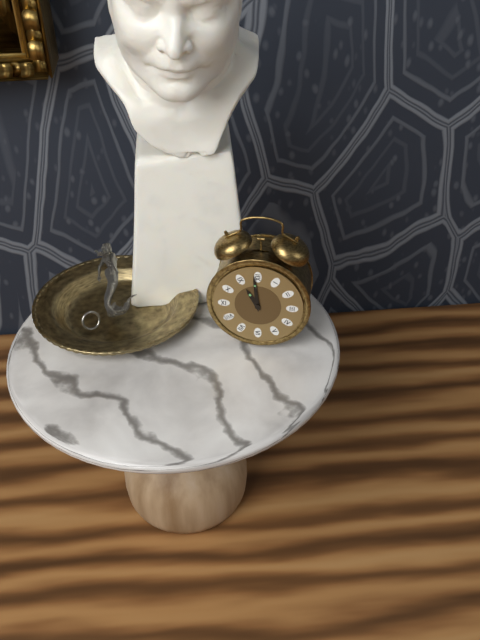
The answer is 10:59
